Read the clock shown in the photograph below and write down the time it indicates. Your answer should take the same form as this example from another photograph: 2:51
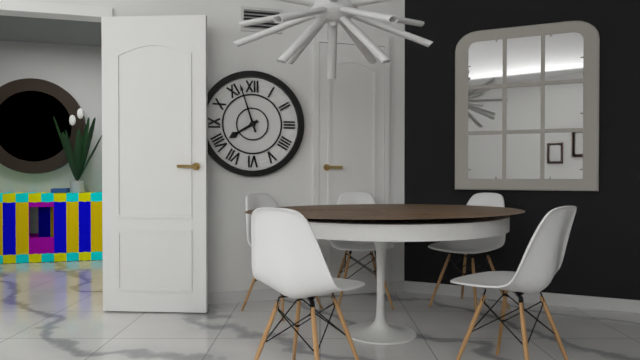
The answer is 7:57
